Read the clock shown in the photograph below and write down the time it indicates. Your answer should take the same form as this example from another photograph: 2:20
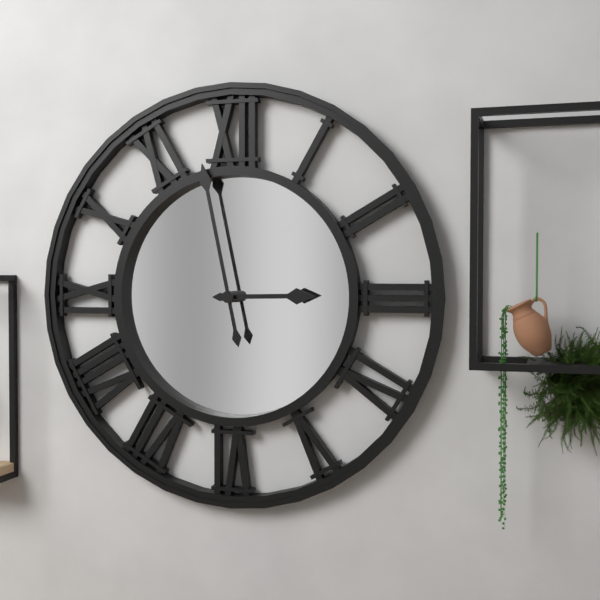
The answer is 2:58
